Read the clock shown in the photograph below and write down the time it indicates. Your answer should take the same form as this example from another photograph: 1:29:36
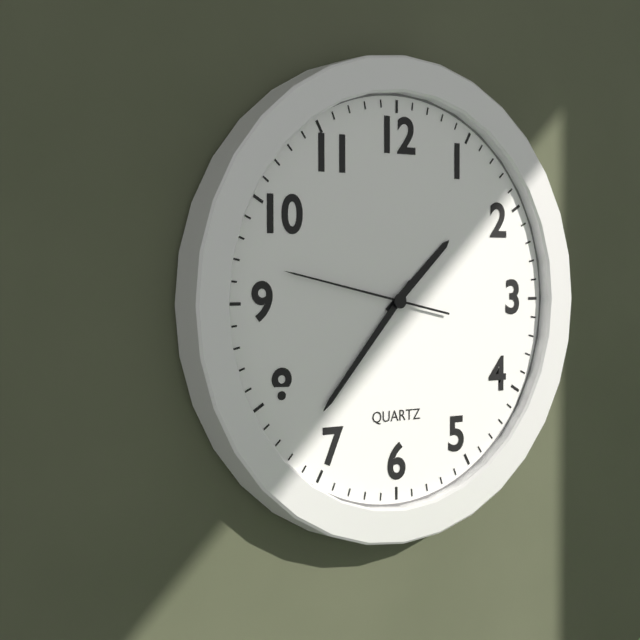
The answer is 1:37:47
